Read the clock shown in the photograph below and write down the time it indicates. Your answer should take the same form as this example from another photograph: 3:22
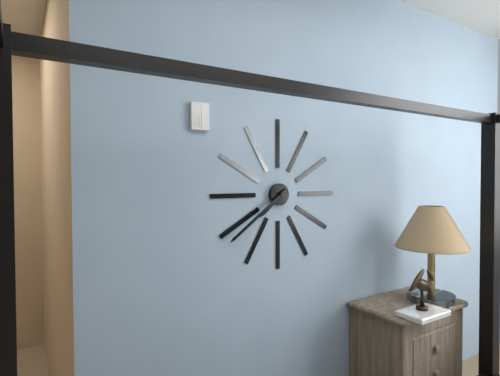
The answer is 7:39
